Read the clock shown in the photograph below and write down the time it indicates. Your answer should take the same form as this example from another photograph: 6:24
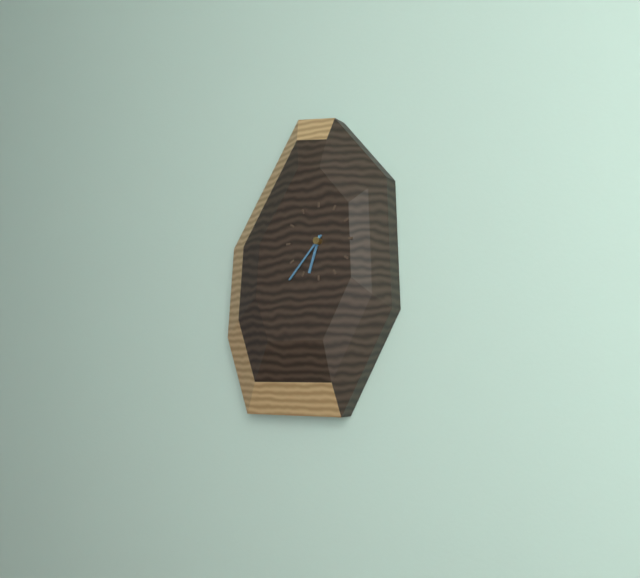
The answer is 6:37
